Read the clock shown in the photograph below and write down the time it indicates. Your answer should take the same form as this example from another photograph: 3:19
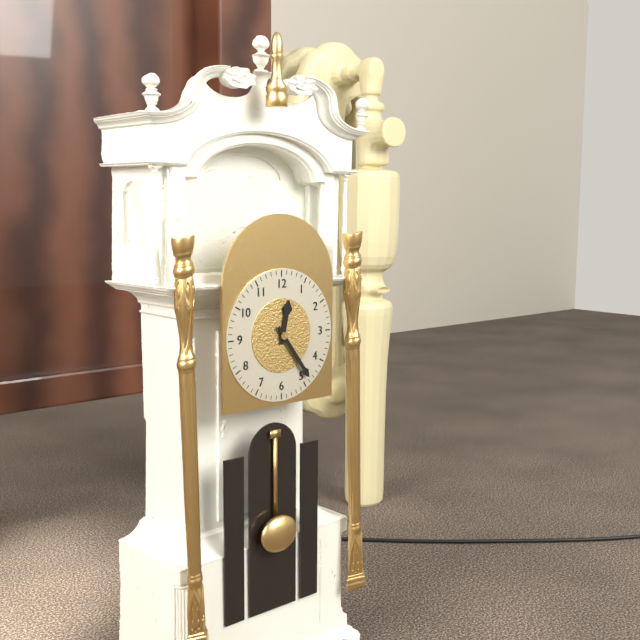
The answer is 12:24
